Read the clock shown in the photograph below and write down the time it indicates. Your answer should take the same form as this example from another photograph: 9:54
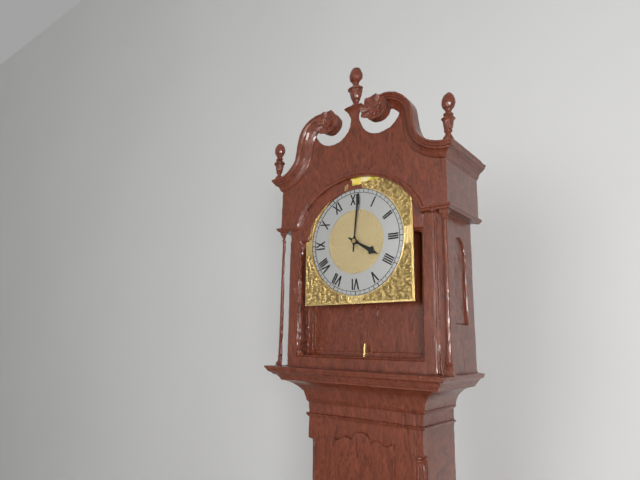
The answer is 4:01
